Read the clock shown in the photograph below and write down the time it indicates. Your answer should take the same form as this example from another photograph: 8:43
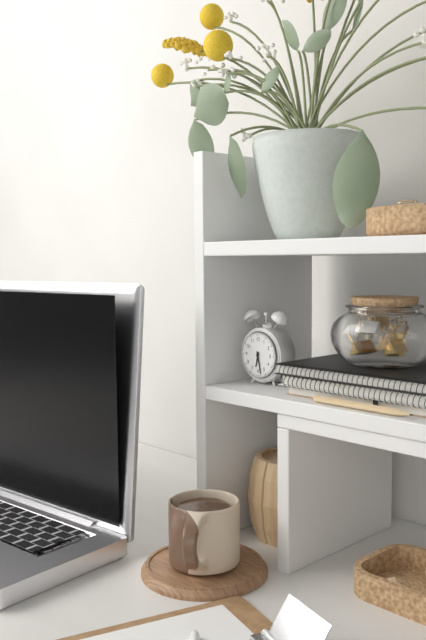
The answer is 6:28
